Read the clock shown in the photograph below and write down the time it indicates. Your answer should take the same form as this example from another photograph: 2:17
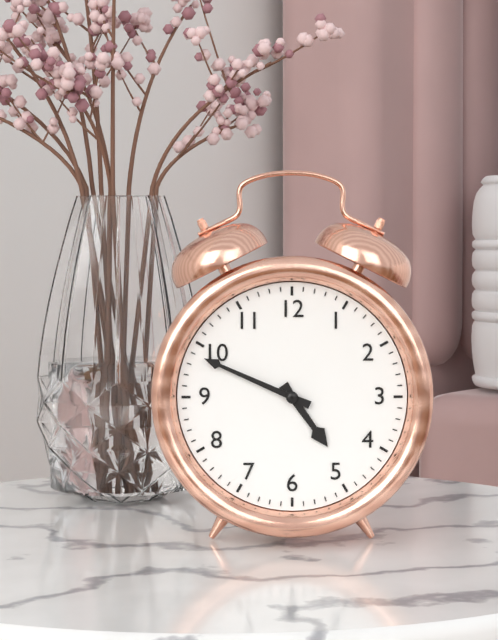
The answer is 4:49
